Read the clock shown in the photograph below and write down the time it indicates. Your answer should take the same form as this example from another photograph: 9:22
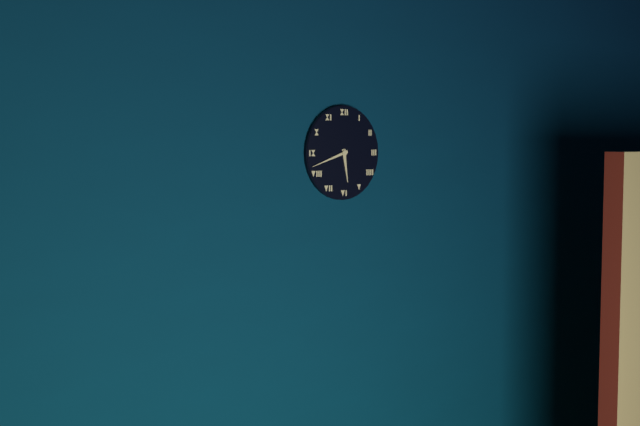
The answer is 5:42
